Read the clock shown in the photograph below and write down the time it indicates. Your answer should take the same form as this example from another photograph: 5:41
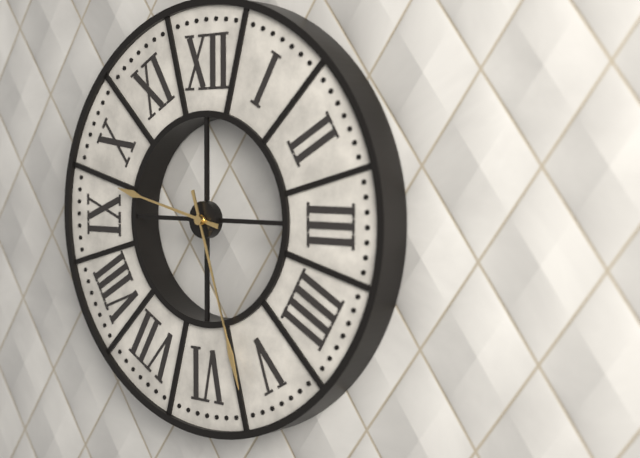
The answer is 9:27
